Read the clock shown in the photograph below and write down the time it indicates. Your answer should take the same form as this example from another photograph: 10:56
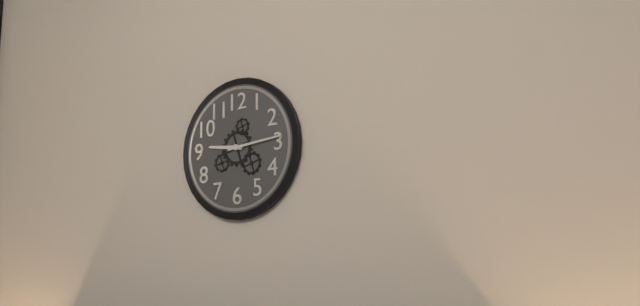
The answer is 9:14
